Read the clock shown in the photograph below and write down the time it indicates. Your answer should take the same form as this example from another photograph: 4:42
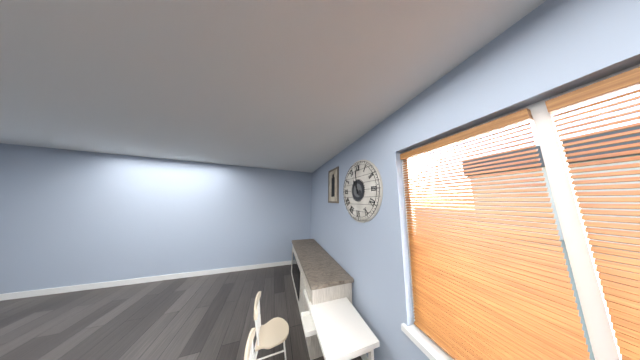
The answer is 10:59
